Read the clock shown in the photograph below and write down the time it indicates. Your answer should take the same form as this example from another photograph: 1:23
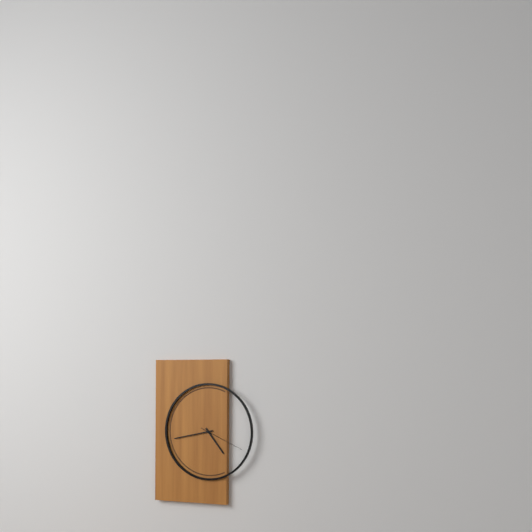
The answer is 4:43
